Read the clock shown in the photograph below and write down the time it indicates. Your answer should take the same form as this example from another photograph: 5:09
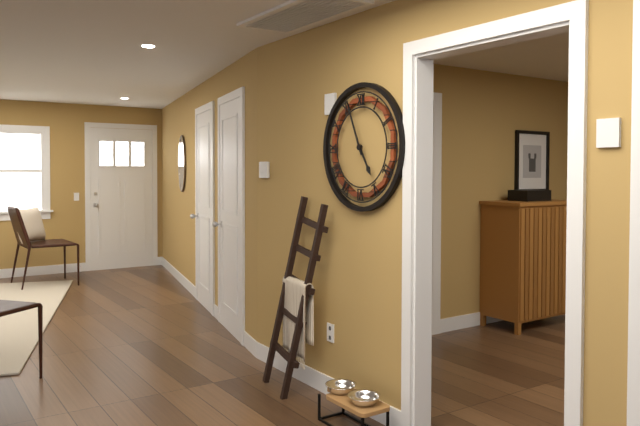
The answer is 4:56
